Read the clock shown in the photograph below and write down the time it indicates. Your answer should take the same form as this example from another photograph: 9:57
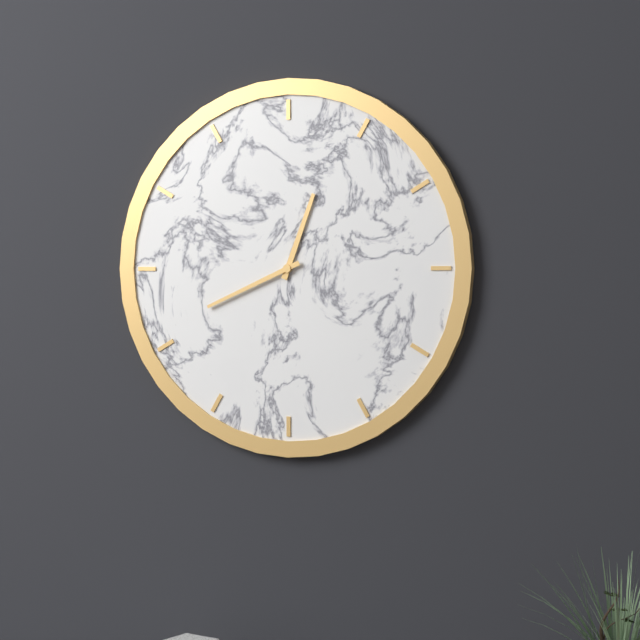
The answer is 12:41
